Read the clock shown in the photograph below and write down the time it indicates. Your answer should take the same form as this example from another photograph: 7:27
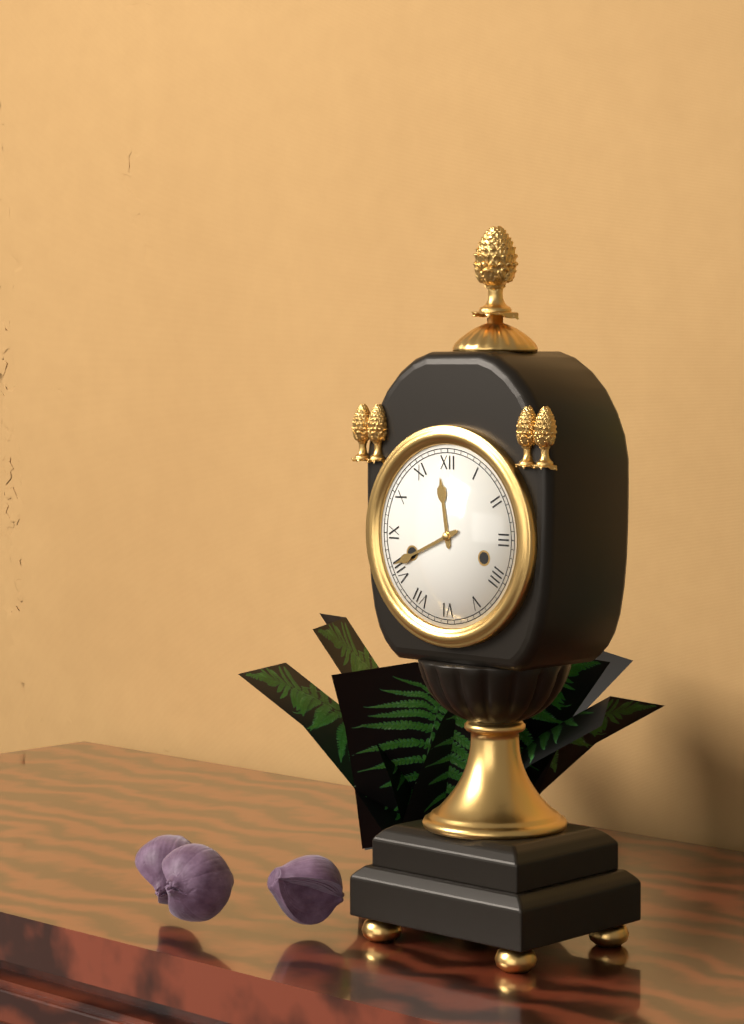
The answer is 11:41
